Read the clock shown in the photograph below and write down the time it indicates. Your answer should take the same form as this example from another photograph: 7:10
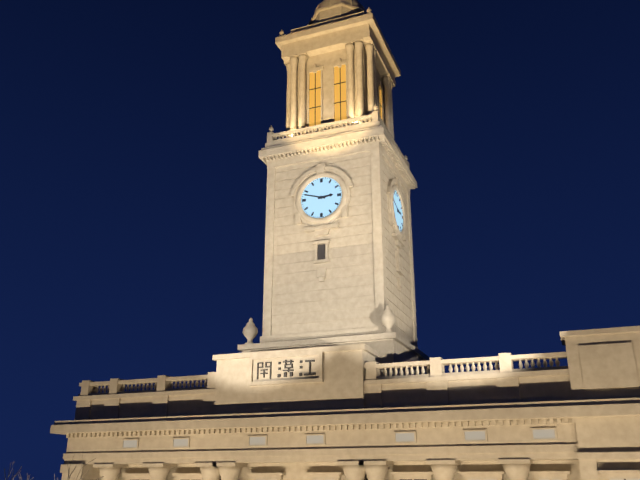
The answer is 2:48
